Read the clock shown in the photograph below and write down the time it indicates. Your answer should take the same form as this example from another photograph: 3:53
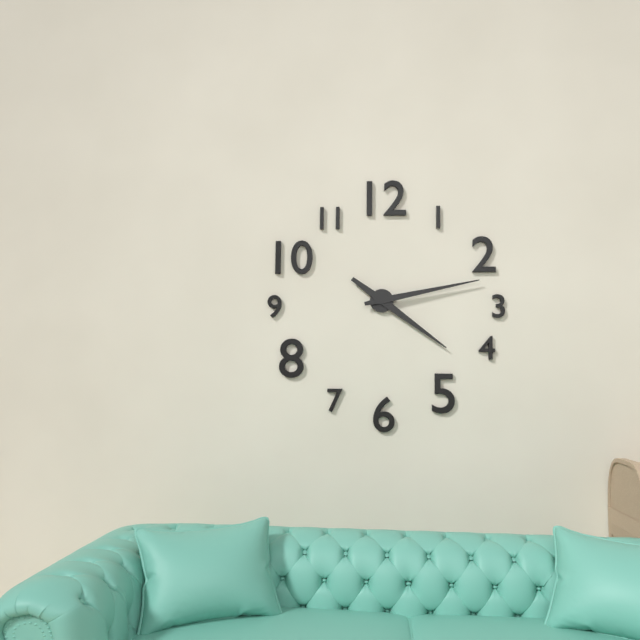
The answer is 4:13
